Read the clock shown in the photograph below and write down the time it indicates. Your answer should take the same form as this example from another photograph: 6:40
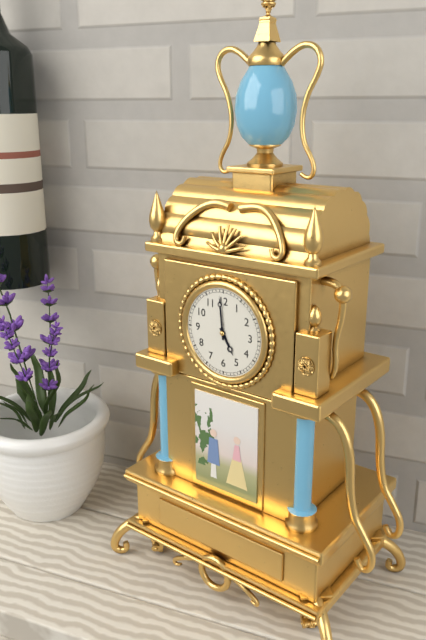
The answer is 4:59
